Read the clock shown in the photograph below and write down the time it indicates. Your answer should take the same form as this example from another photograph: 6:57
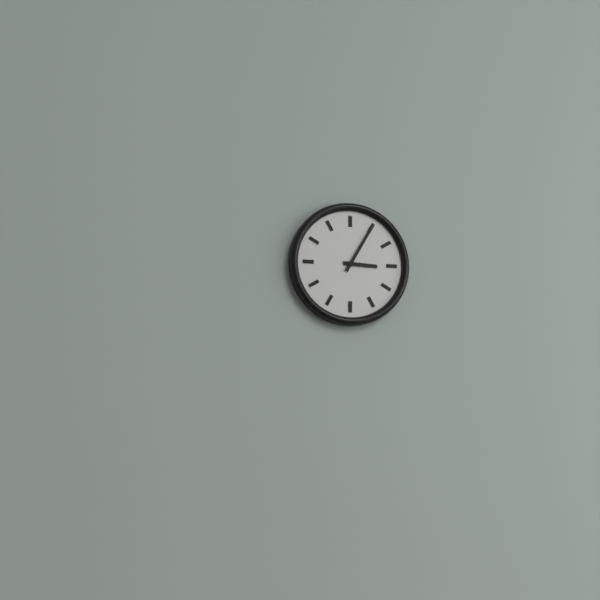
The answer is 3:05
